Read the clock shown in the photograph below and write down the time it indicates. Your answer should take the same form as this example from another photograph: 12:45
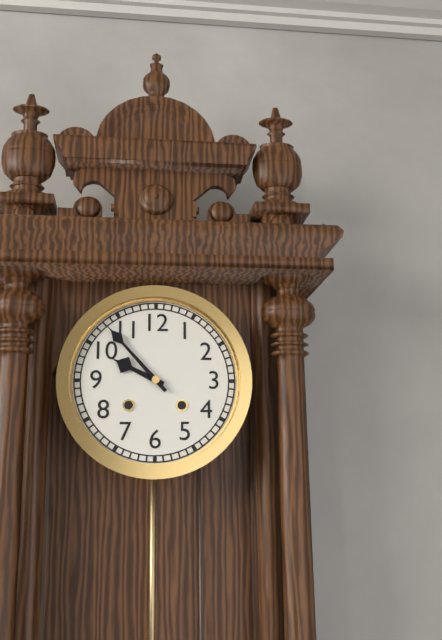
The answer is 9:53
